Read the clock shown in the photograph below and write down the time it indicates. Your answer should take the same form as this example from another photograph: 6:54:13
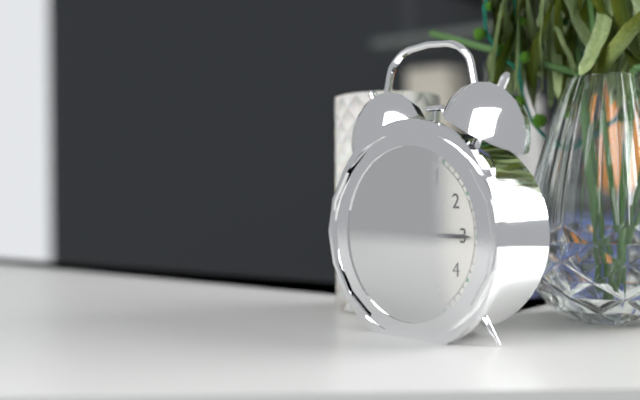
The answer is 12:15:37
